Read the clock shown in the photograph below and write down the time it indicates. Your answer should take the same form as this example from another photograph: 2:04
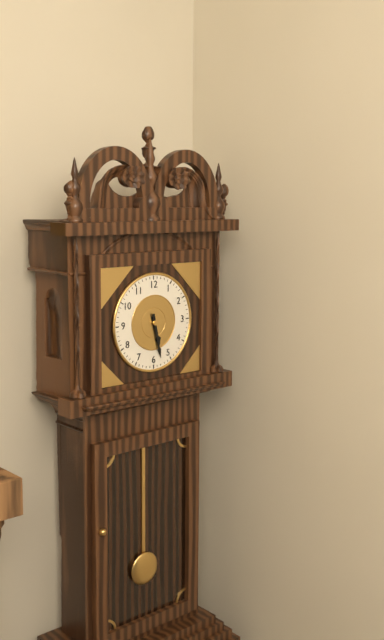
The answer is 5:28
